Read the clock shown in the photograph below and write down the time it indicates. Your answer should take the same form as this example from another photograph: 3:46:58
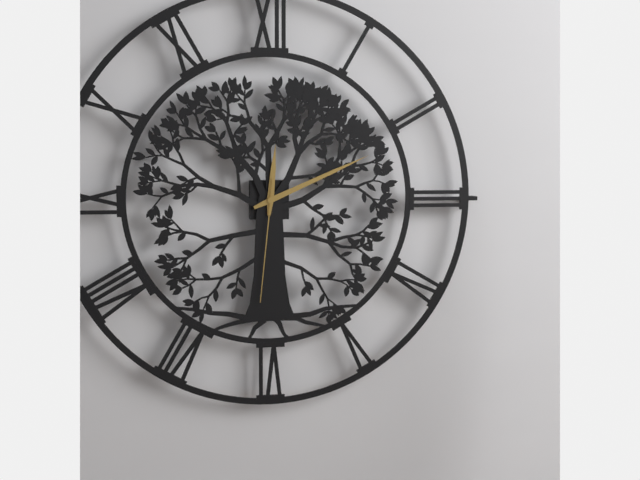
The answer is 12:11:31
